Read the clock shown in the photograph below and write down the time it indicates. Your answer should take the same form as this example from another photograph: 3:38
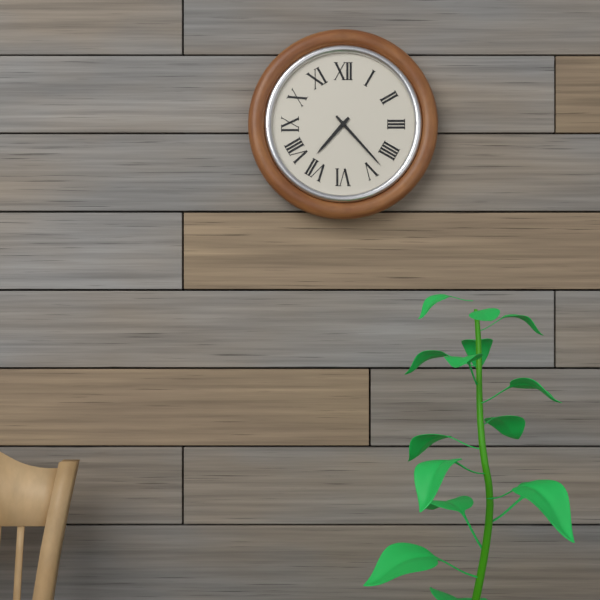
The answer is 7:23
